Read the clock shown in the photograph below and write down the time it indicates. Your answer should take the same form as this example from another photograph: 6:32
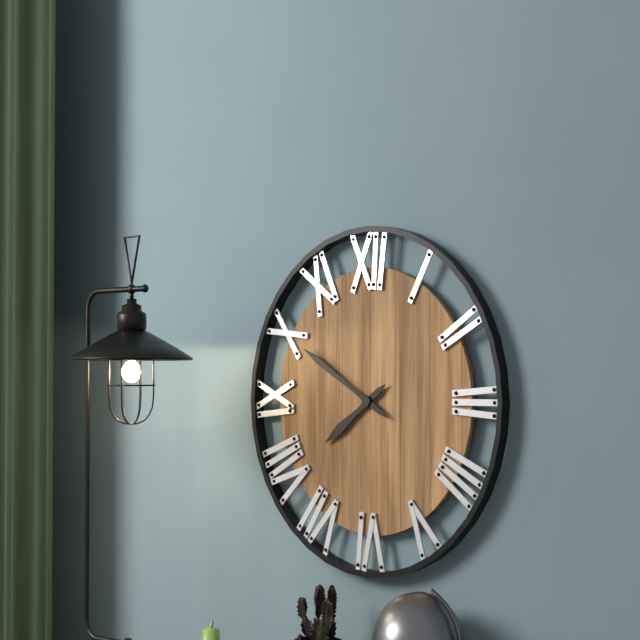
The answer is 7:50
